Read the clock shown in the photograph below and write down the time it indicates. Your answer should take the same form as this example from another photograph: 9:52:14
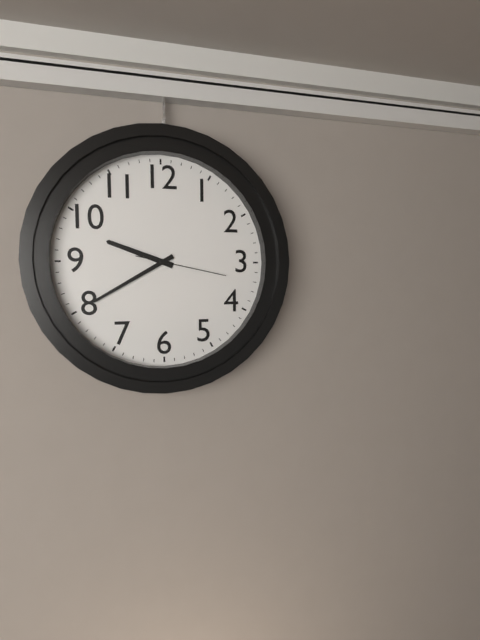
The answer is 9:40:17
